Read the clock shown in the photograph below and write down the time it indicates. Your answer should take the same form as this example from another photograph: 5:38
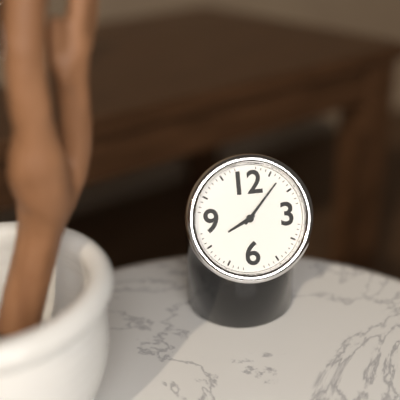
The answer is 8:07
